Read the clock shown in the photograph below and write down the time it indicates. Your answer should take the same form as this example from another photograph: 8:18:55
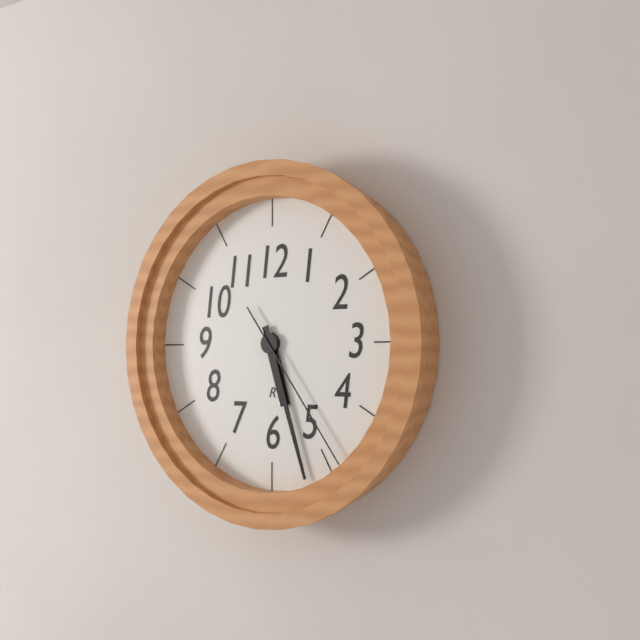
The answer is 5:27:24
